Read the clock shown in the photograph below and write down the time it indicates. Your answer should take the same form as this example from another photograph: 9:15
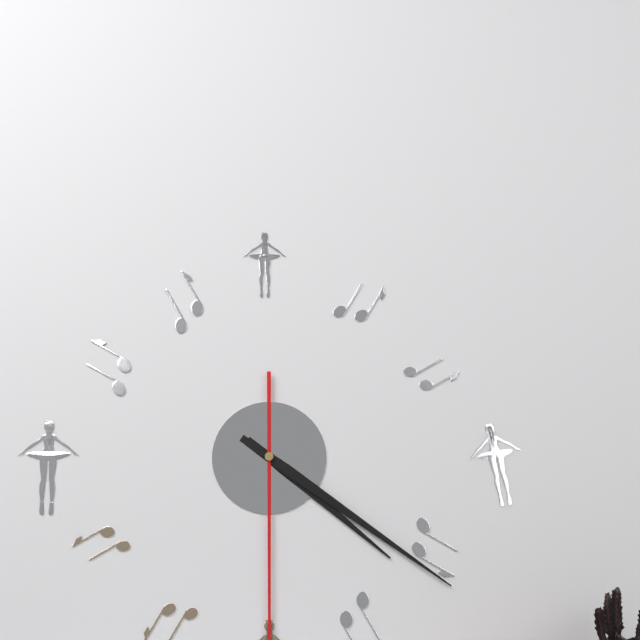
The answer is 4:21
